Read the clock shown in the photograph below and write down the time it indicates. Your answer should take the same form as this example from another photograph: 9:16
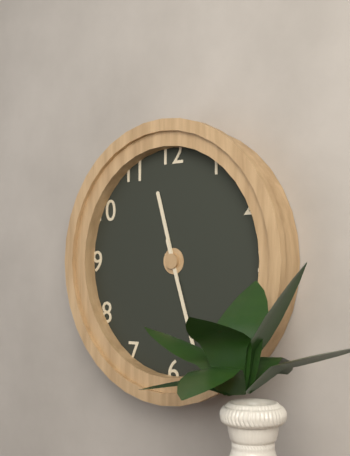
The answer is 11:27
